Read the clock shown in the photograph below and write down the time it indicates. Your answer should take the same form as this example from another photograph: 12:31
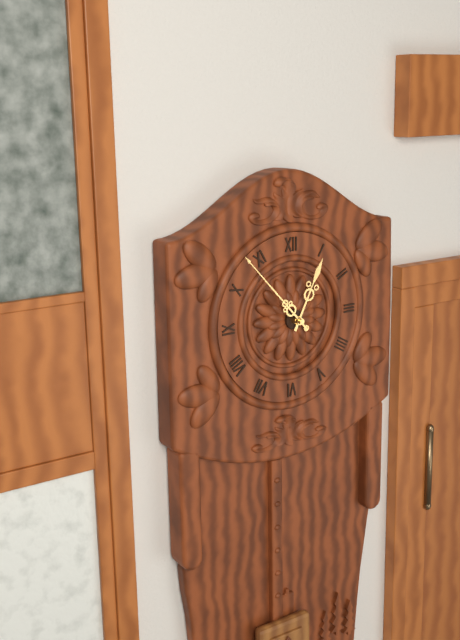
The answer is 12:53
